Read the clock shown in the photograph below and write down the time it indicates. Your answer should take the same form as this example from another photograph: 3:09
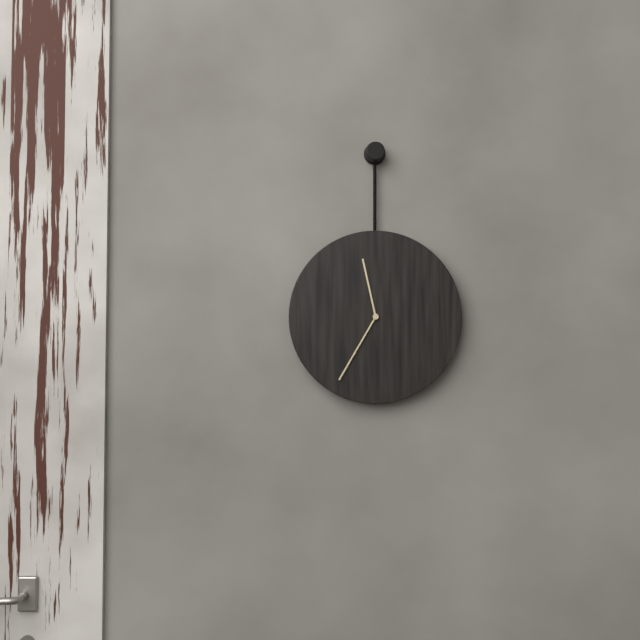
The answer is 11:35
